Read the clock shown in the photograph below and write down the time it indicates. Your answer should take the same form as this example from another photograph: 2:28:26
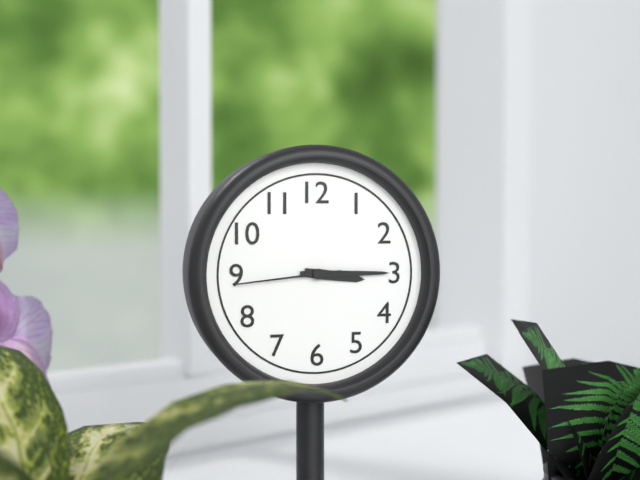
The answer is 3:15:44
